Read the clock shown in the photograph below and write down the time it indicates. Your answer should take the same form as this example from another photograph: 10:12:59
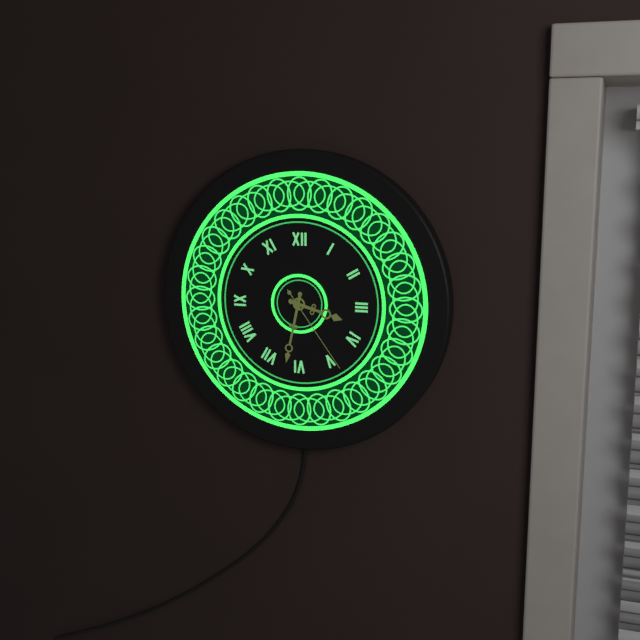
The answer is 3:32:24
